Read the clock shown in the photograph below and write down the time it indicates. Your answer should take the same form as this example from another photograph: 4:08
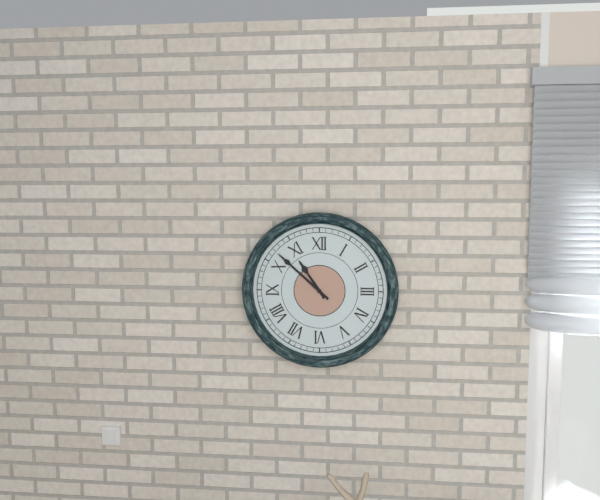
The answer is 10:52
